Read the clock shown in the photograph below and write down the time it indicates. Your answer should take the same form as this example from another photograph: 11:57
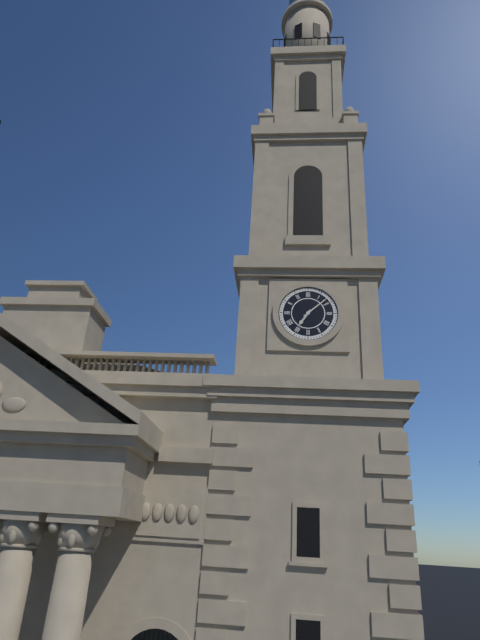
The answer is 7:08
